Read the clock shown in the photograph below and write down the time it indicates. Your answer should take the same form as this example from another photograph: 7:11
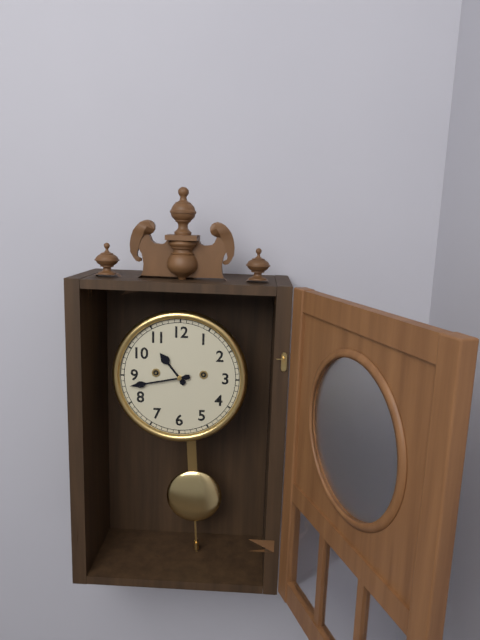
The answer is 10:43
